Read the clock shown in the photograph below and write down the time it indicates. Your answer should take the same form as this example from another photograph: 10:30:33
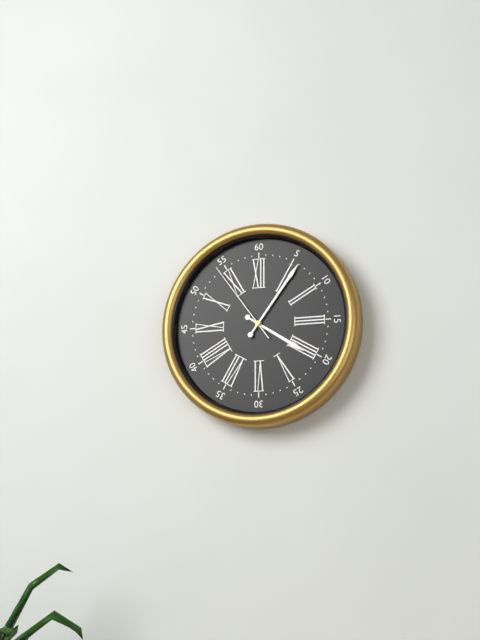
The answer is 4:06:54
